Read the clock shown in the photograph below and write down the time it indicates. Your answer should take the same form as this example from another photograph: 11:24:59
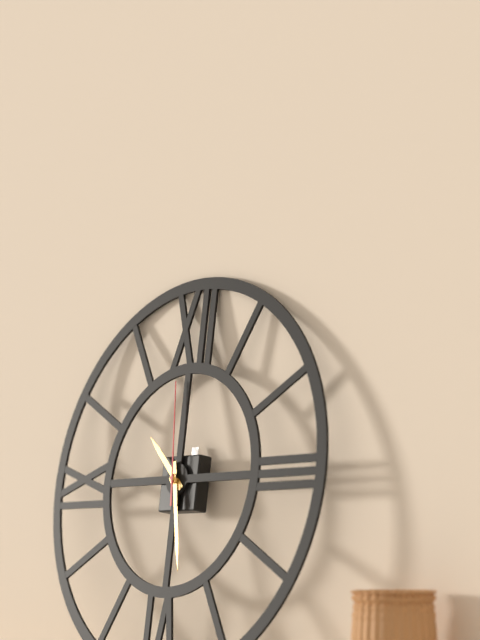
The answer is 10:28:59
